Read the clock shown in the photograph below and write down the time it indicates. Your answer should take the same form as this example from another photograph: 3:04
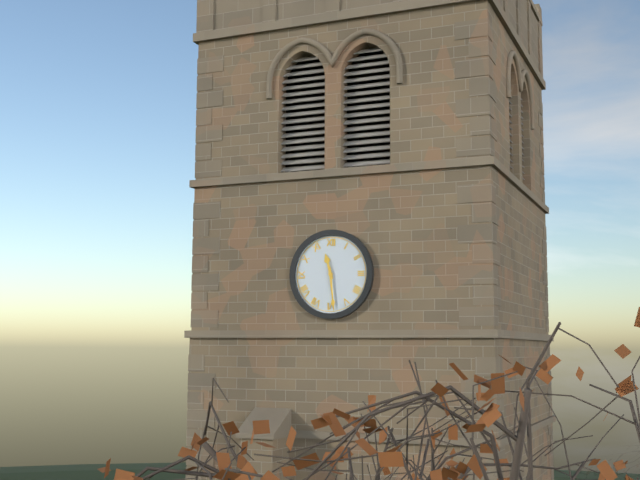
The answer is 11:29
